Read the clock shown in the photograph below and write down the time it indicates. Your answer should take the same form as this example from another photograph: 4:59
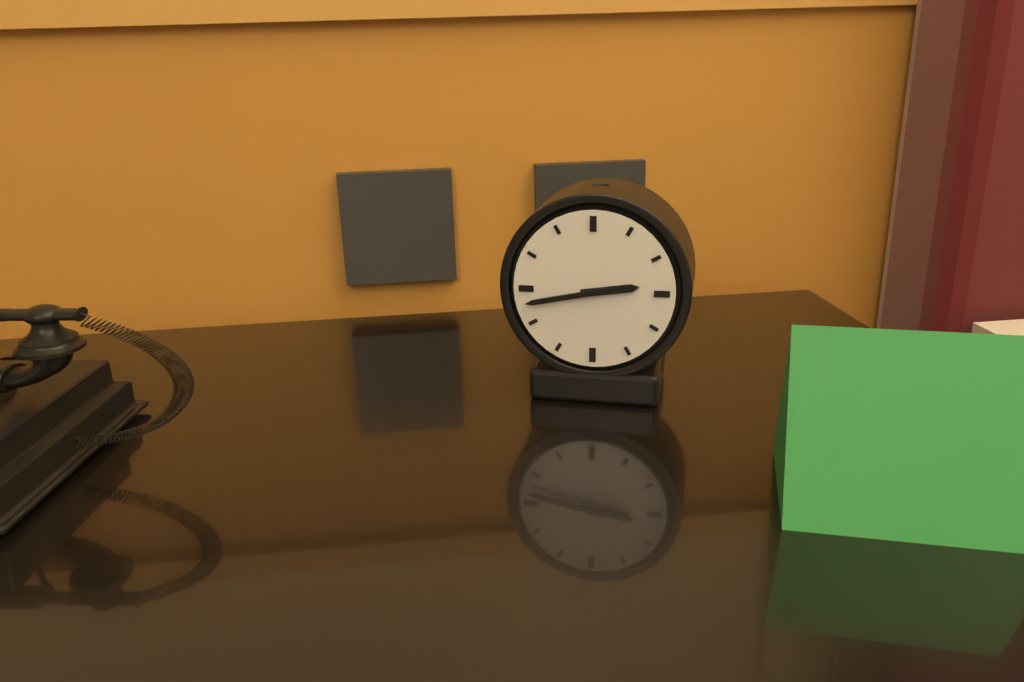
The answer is 2:43
